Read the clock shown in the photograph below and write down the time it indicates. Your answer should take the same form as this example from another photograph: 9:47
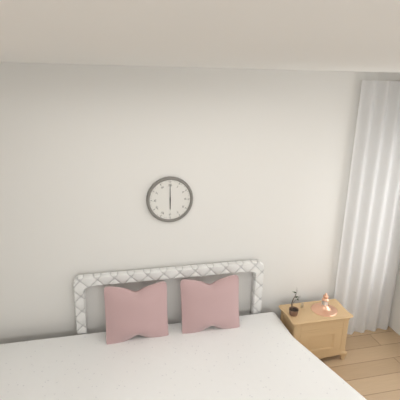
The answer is 6:00
